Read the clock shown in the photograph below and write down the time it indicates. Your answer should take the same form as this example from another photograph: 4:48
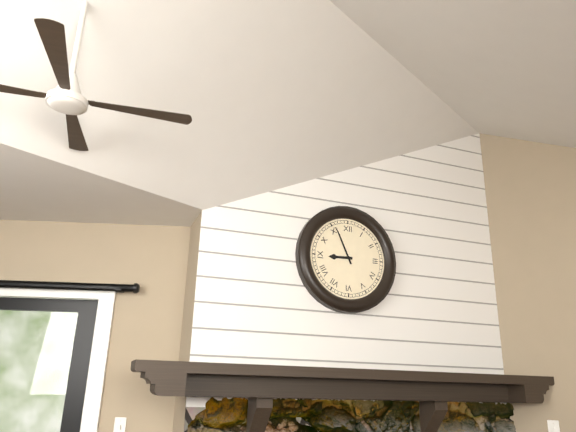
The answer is 8:56
